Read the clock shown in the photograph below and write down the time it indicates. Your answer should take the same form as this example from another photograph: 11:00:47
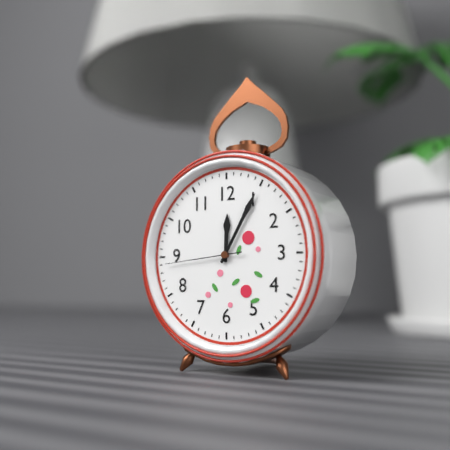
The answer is 12:05:44
